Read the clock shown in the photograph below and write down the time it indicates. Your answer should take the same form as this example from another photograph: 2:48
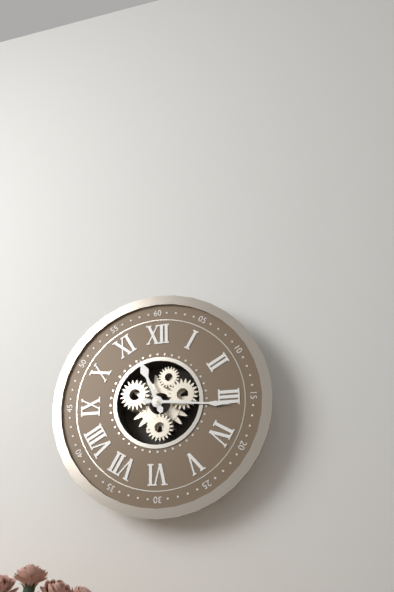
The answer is 11:16
